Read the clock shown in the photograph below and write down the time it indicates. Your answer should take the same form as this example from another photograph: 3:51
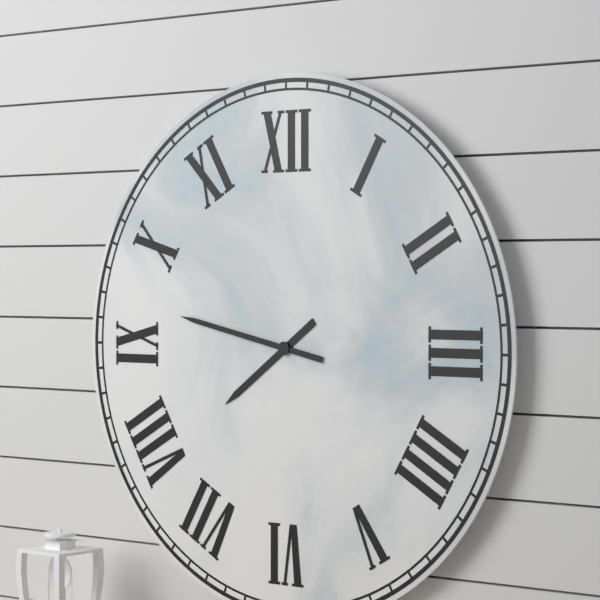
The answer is 7:47
